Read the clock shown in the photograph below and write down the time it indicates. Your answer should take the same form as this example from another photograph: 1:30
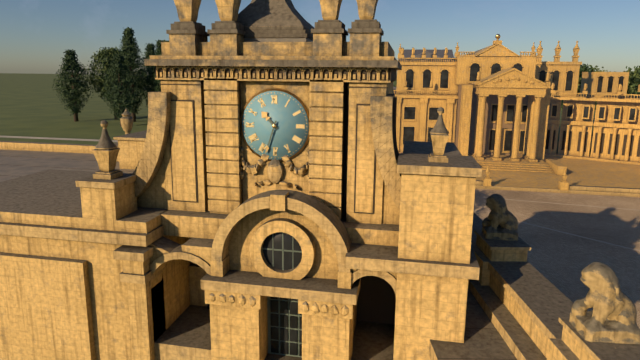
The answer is 10:33
